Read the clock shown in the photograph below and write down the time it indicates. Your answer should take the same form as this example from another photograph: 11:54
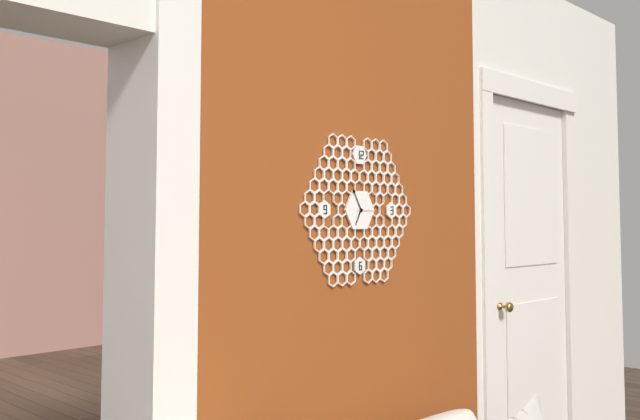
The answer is 6:55
